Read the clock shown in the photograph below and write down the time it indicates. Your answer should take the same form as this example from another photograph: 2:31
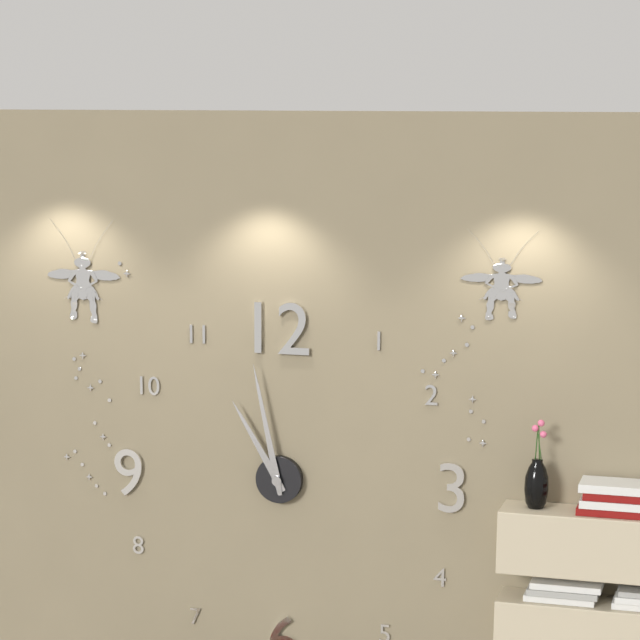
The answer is 10:58
